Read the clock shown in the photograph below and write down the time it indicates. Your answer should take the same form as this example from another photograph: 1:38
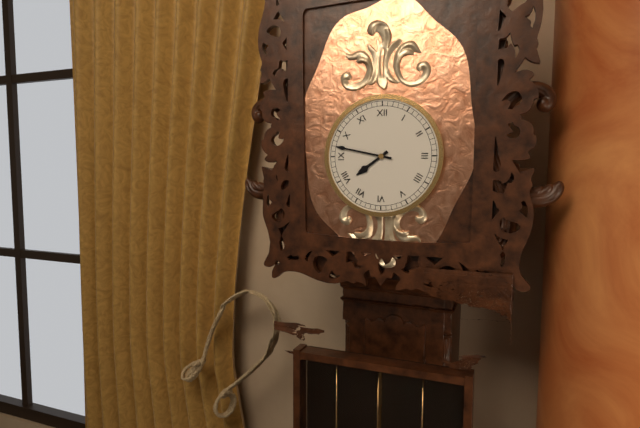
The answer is 7:47
